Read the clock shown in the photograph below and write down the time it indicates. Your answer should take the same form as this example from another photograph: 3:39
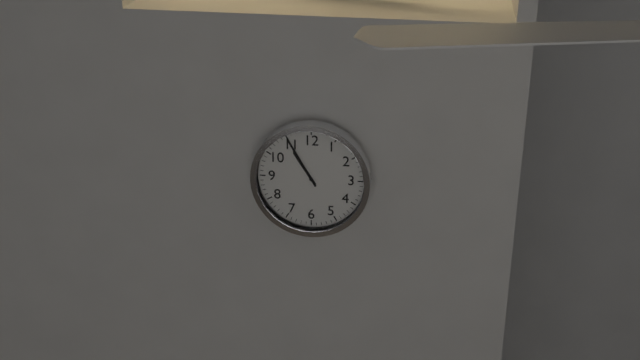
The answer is 10:55
